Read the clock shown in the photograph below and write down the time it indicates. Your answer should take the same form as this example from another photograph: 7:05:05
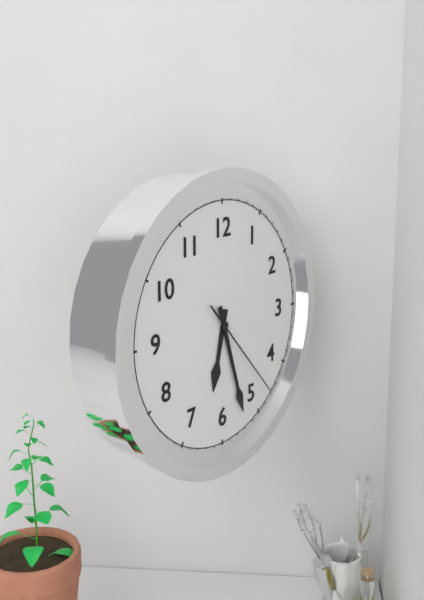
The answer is 6:27:23
